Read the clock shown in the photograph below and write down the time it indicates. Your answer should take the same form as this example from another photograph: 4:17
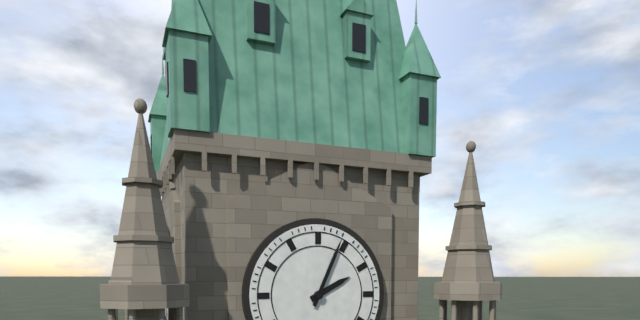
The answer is 2:04
